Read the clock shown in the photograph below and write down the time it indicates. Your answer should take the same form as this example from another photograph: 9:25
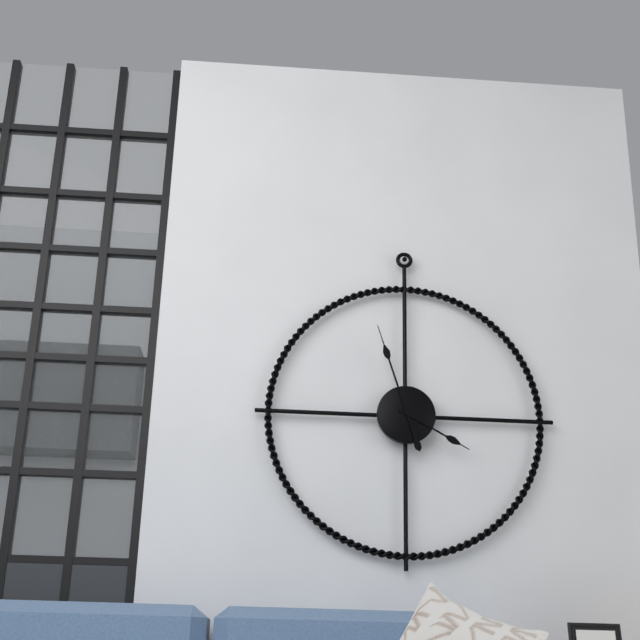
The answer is 3:57
